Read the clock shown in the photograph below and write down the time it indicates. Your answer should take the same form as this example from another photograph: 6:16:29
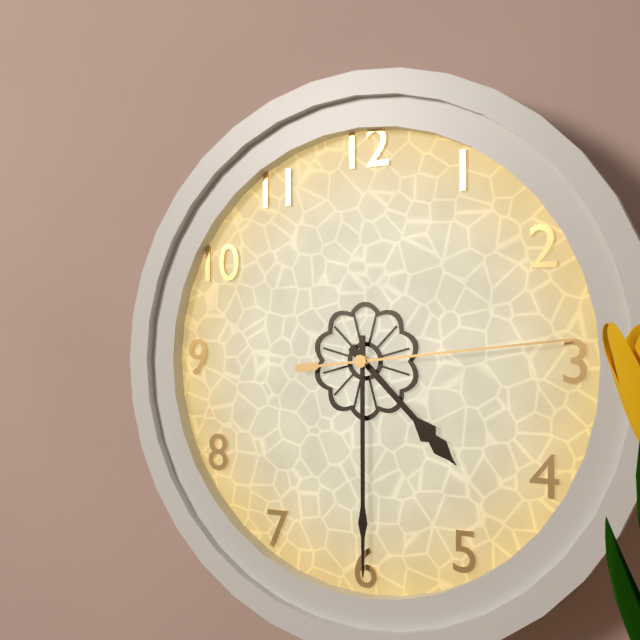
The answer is 4:30:14
